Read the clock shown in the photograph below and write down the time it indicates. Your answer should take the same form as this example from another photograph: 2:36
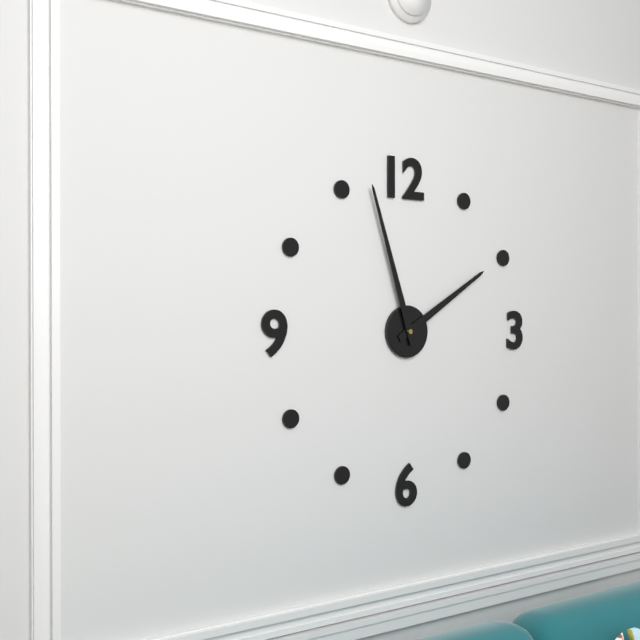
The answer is 1:57
